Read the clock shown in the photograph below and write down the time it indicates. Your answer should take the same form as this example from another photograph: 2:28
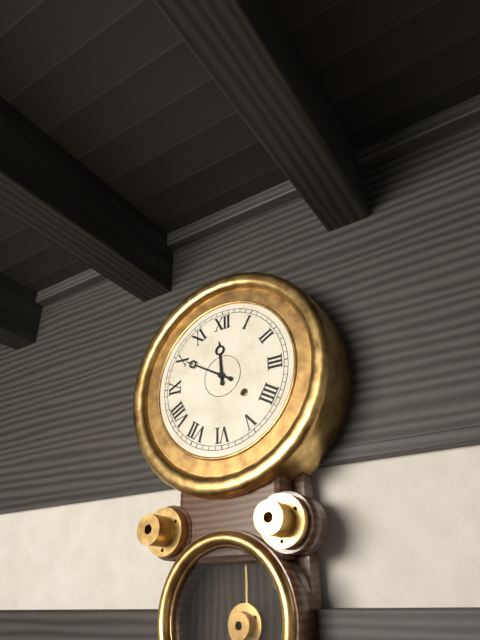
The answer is 11:50
